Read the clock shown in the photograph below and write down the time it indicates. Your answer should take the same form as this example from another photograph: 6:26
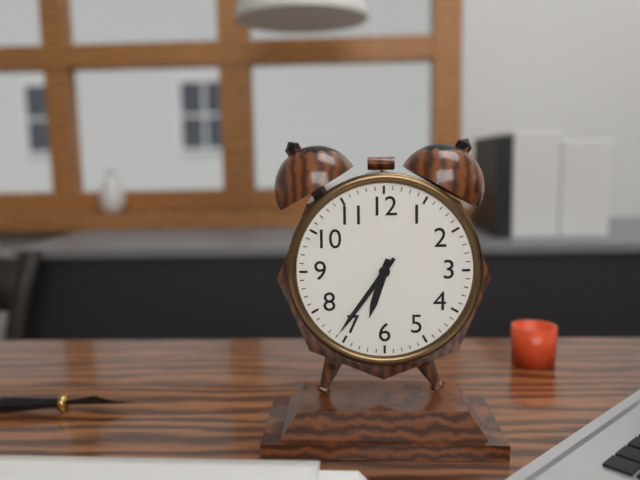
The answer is 6:36
